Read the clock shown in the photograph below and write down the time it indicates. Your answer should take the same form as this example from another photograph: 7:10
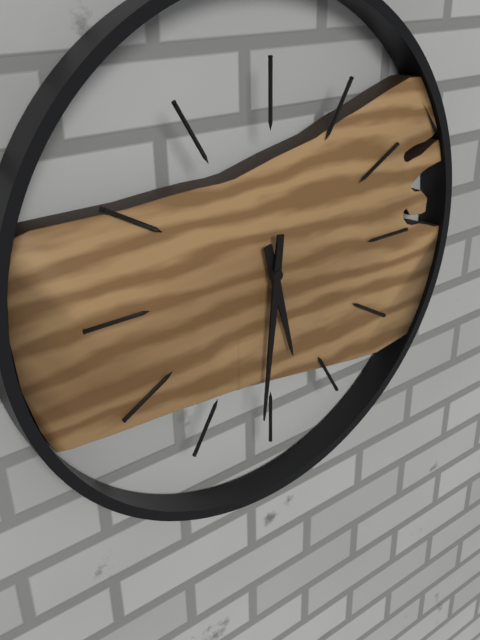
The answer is 5:31
